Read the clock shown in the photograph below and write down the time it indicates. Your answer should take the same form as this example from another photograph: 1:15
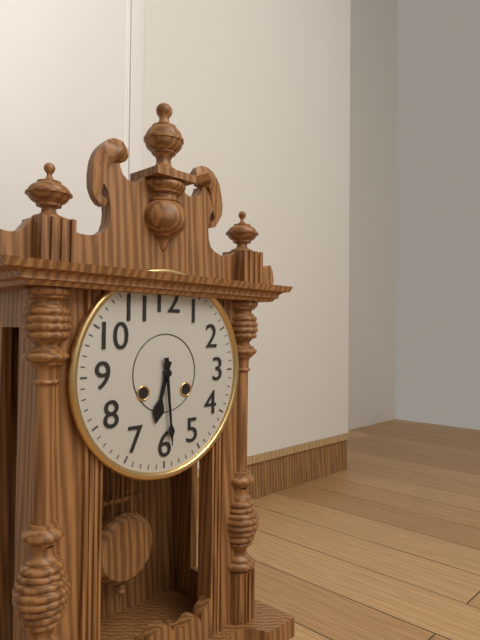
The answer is 6:29
